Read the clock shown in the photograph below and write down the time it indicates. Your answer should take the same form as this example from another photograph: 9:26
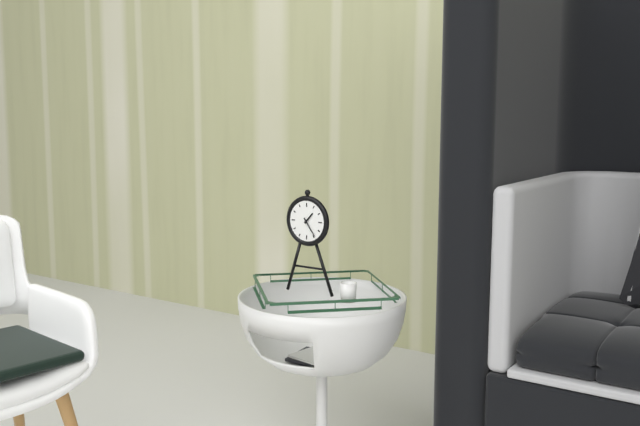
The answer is 1:24
